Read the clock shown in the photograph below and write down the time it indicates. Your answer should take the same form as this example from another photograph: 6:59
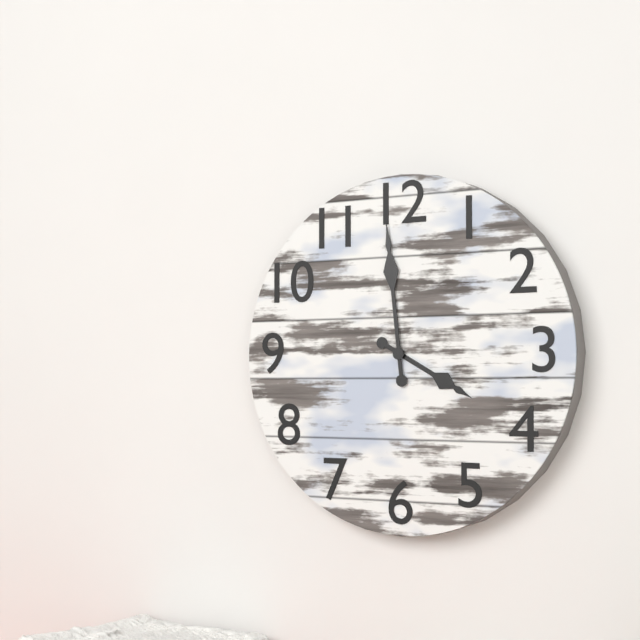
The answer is 3:59
